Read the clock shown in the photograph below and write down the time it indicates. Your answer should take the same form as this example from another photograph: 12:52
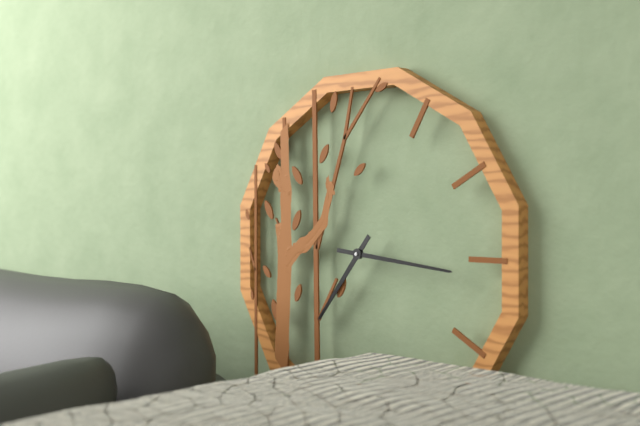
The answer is 7:16
